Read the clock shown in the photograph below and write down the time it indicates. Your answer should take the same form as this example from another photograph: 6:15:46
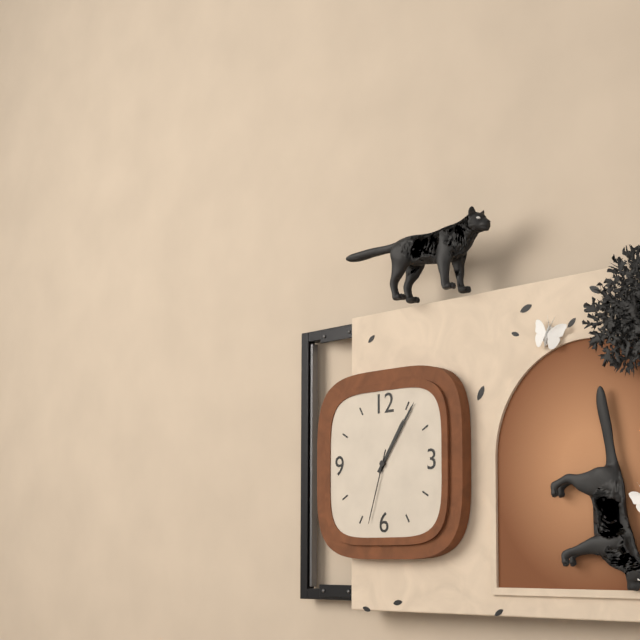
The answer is 1:06:33
